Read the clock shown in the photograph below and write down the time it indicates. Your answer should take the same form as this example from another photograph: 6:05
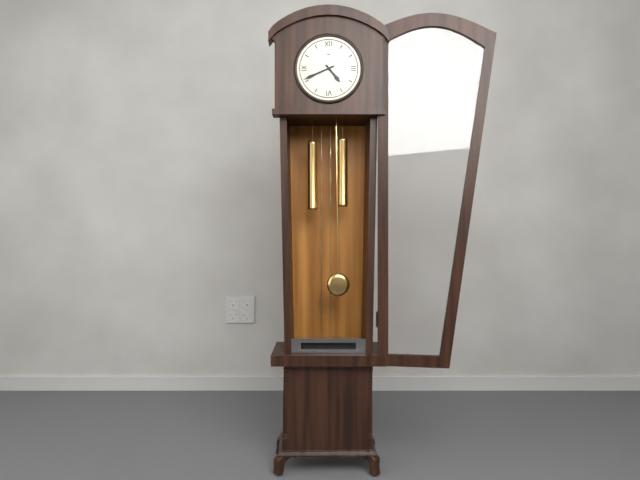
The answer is 4:41
